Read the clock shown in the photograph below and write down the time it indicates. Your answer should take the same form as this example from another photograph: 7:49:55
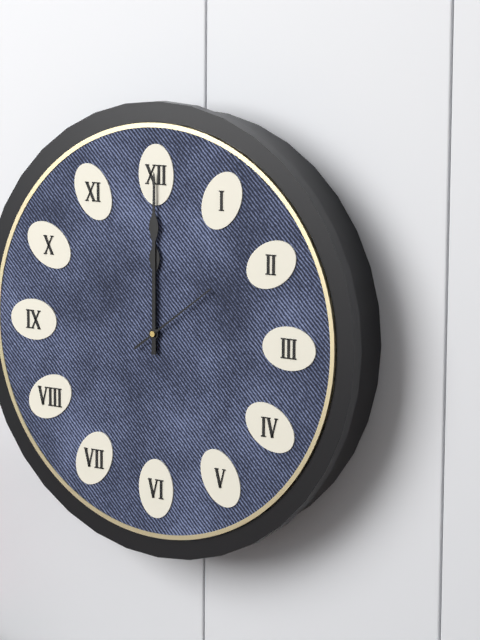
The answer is 12:00:09
